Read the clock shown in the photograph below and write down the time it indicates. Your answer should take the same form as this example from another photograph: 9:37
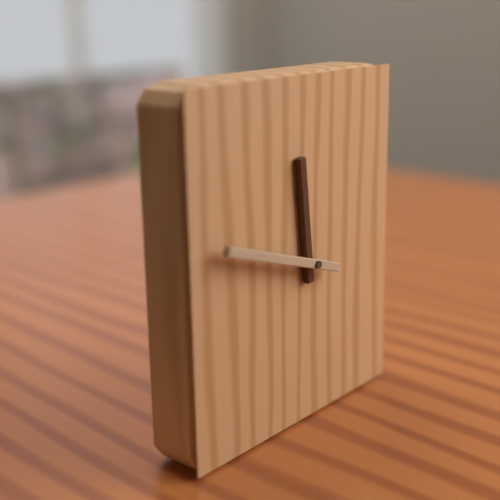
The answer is 11:48
